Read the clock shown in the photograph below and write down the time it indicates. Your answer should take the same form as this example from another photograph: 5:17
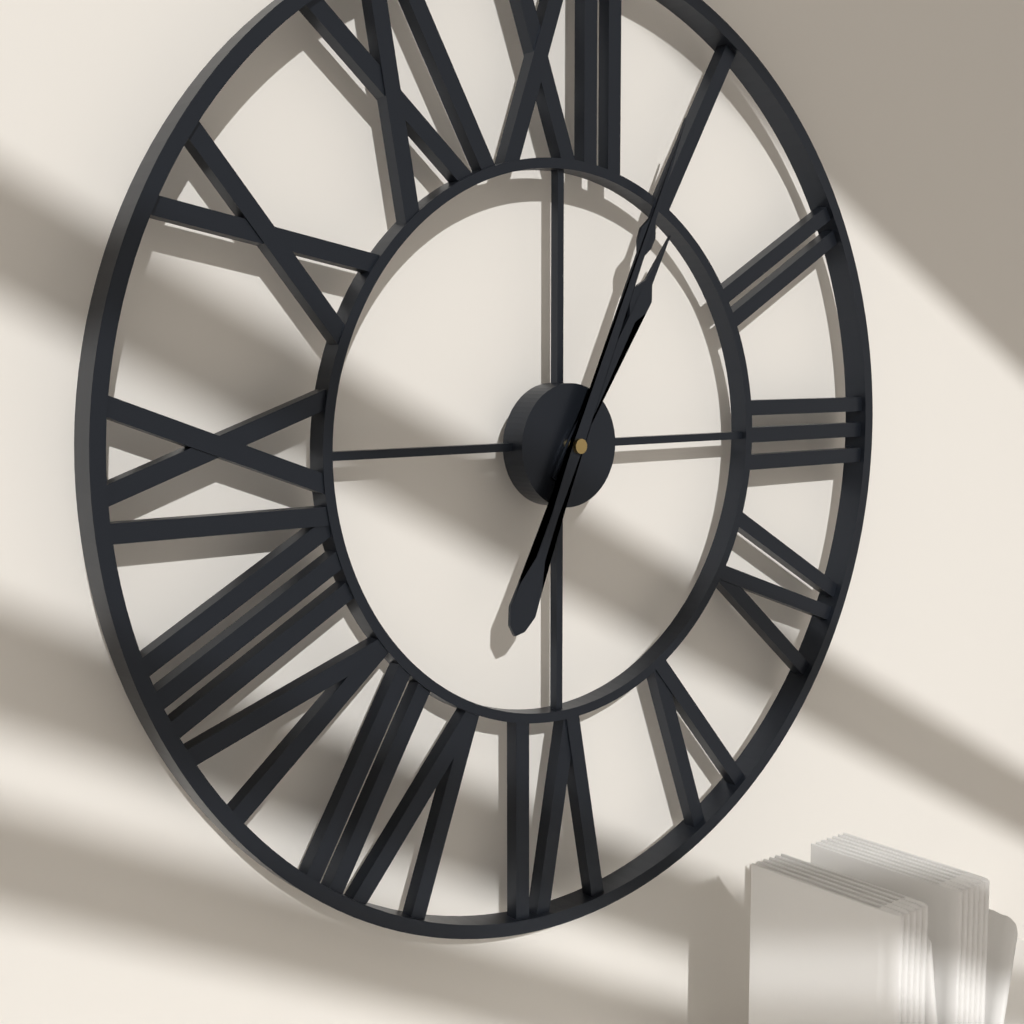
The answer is 1:04
